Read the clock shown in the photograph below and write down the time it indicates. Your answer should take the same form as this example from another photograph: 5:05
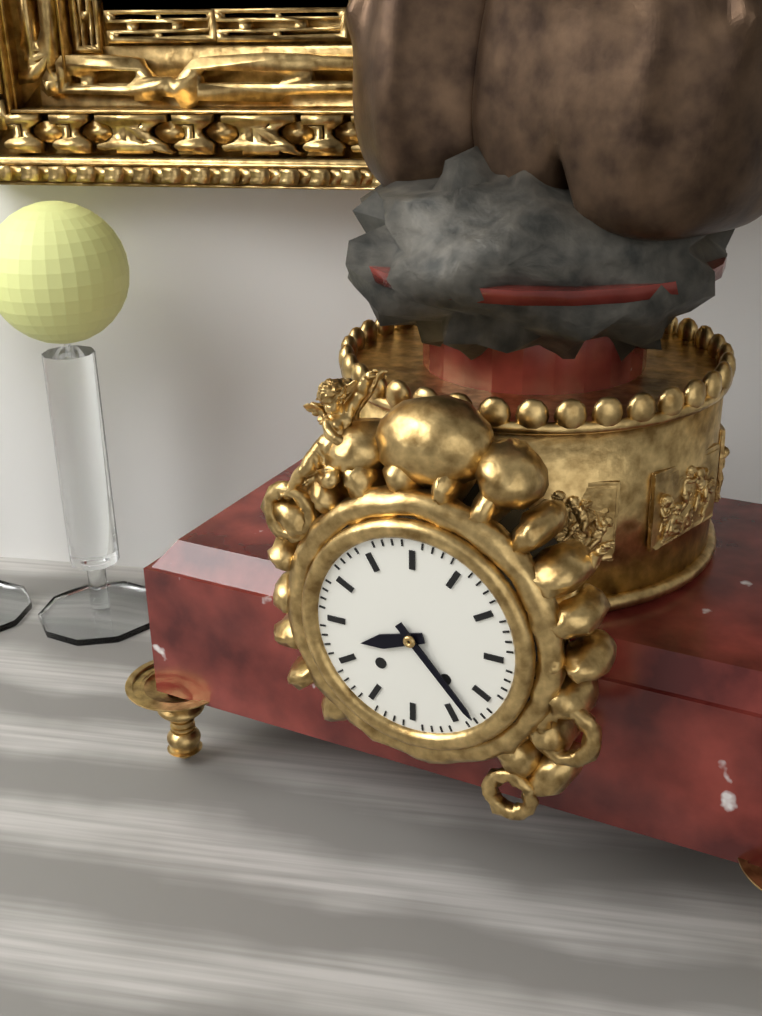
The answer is 8:23
